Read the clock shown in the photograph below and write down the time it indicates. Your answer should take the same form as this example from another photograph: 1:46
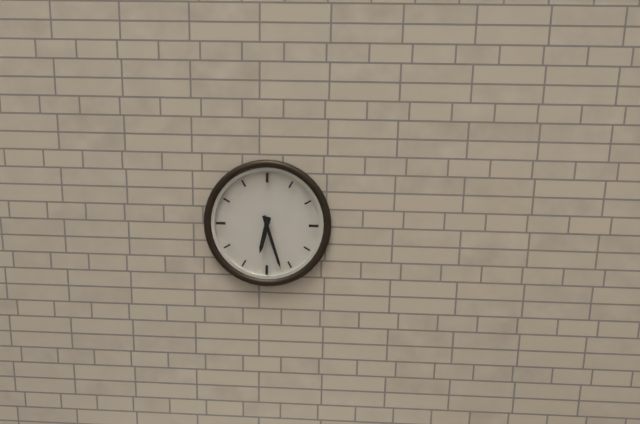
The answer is 6:27
